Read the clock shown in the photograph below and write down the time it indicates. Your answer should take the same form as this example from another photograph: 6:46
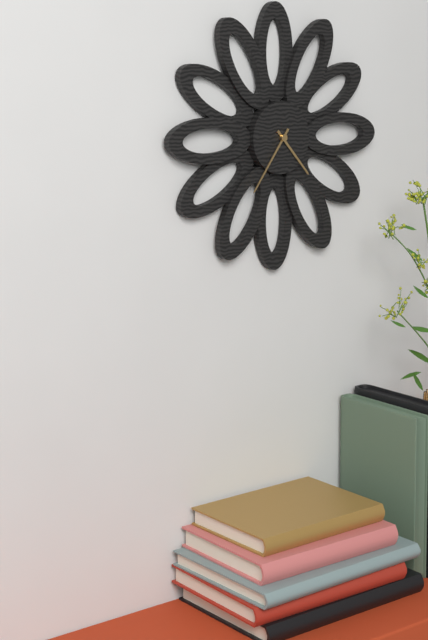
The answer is 4:36
